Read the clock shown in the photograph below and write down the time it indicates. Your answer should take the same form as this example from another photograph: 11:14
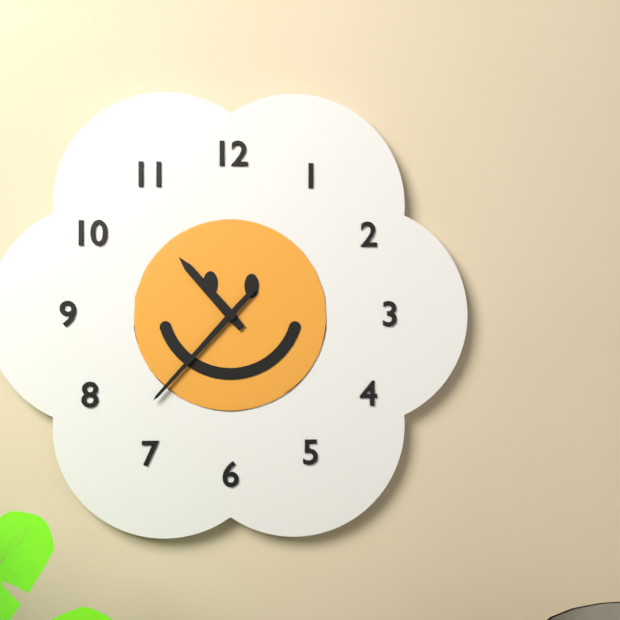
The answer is 10:37
